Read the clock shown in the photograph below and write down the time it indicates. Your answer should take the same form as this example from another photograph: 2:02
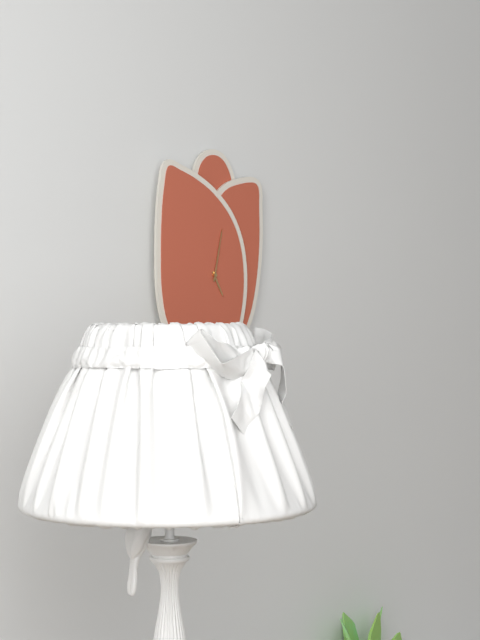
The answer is 5:02
